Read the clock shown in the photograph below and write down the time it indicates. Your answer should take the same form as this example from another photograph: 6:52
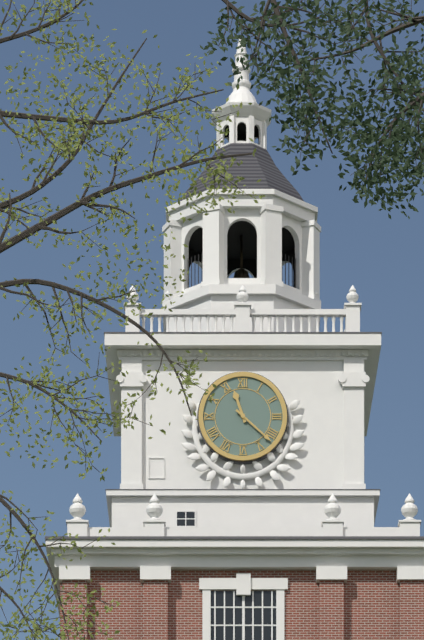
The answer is 11:22
